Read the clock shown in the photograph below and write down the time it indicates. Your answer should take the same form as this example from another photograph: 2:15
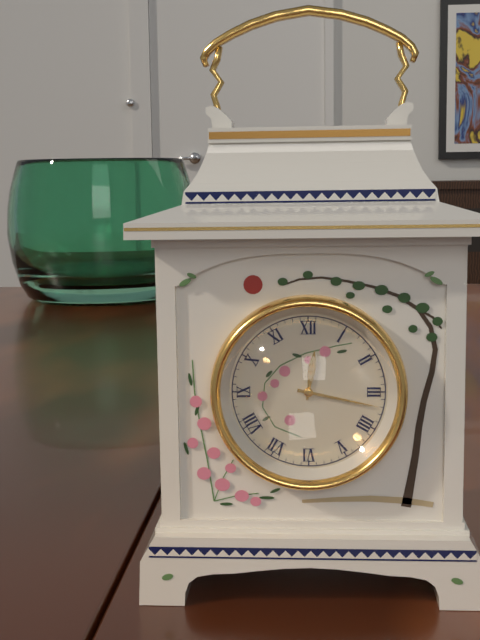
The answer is 12:17
